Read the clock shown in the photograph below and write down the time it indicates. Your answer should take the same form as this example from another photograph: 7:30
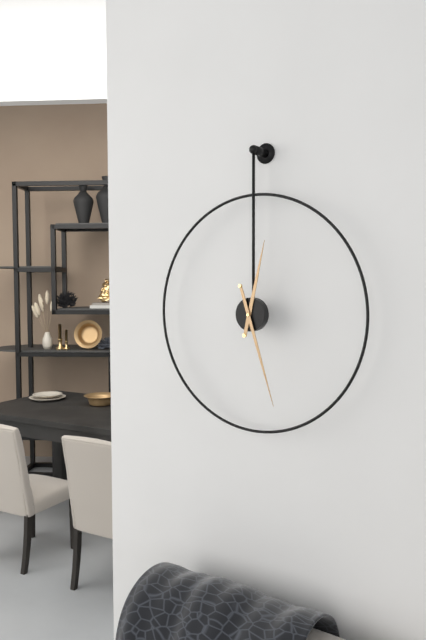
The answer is 12:27
